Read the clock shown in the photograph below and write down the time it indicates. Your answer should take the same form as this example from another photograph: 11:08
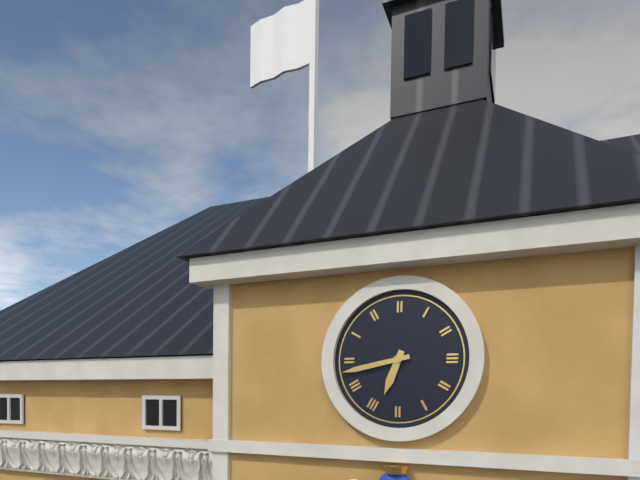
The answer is 6:43
